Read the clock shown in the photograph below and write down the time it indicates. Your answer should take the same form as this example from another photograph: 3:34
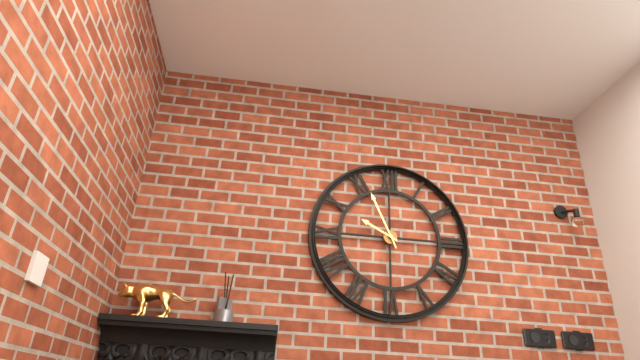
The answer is 9:56
